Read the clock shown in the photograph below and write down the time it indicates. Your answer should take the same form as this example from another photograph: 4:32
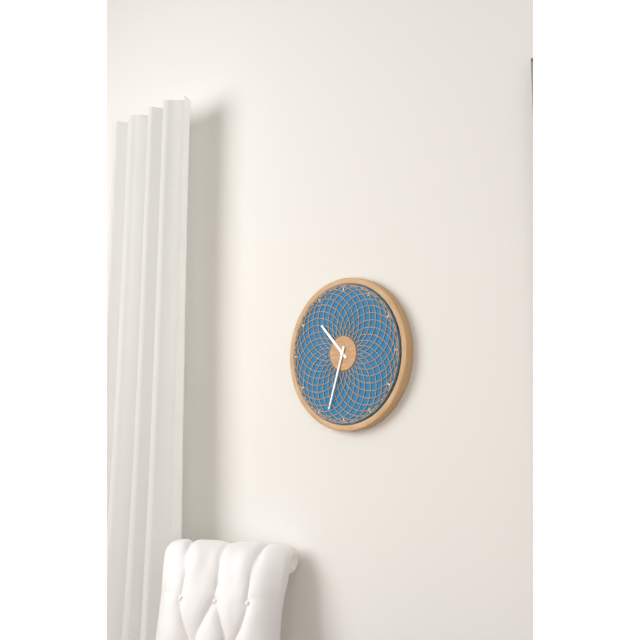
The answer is 10:33
